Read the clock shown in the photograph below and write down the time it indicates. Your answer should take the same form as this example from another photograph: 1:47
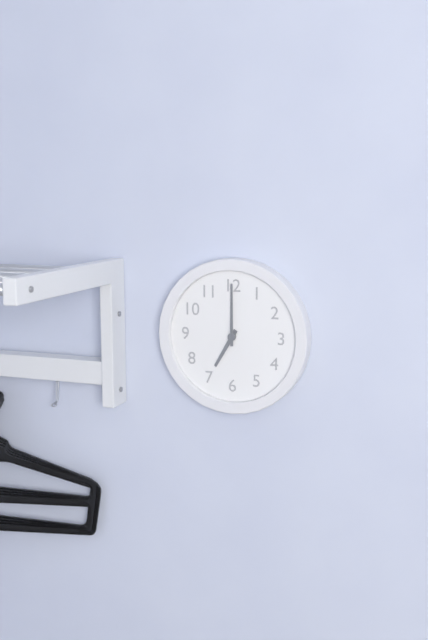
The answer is 7:00
